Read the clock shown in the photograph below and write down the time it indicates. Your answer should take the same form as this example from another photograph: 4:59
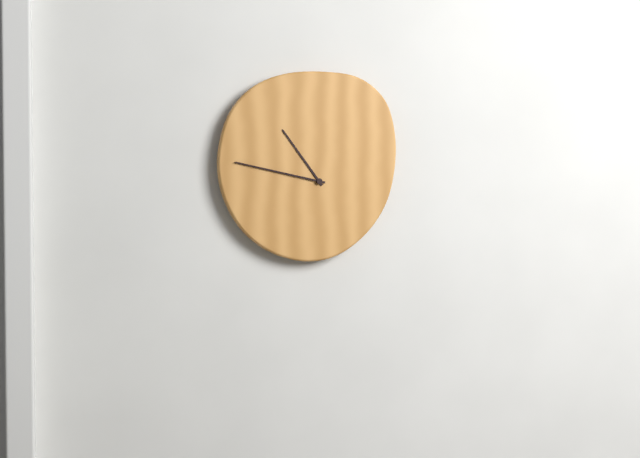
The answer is 10:47
